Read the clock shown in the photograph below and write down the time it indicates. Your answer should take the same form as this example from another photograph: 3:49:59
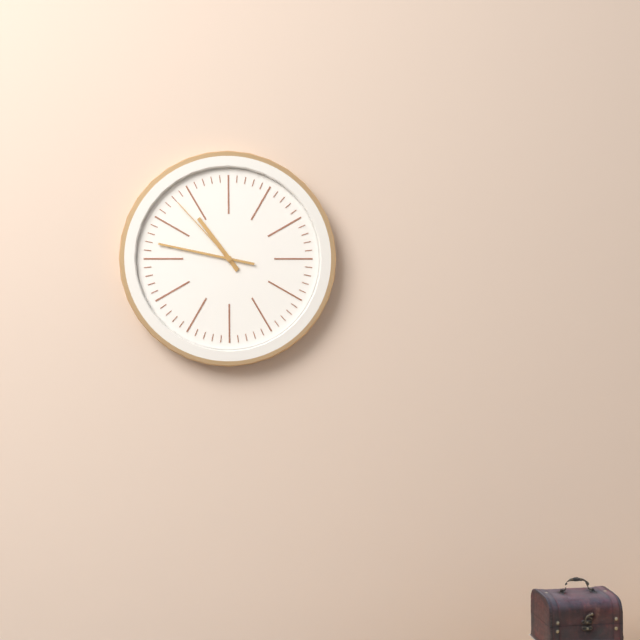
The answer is 10:47:53
